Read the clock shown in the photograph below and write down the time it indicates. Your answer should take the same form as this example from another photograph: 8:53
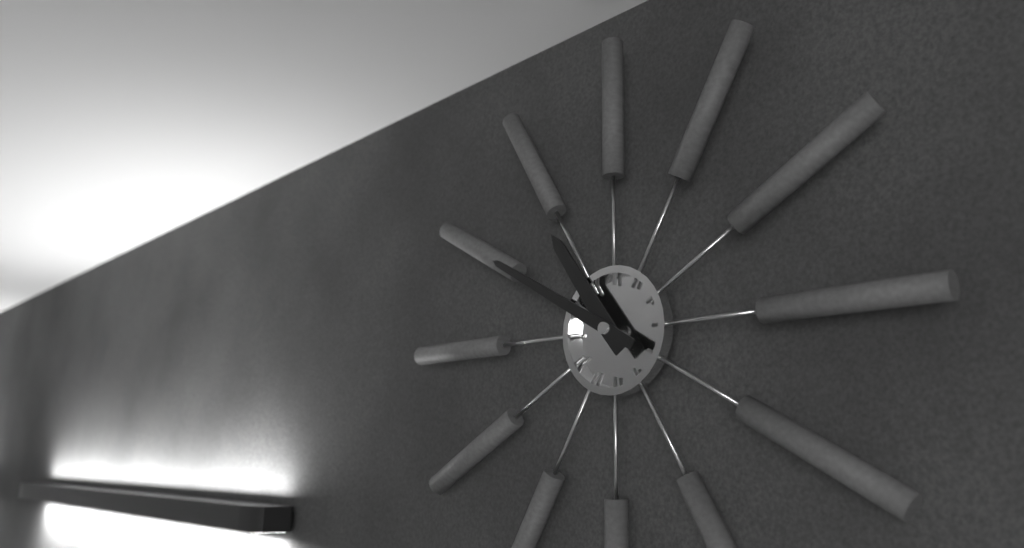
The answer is 10:50
